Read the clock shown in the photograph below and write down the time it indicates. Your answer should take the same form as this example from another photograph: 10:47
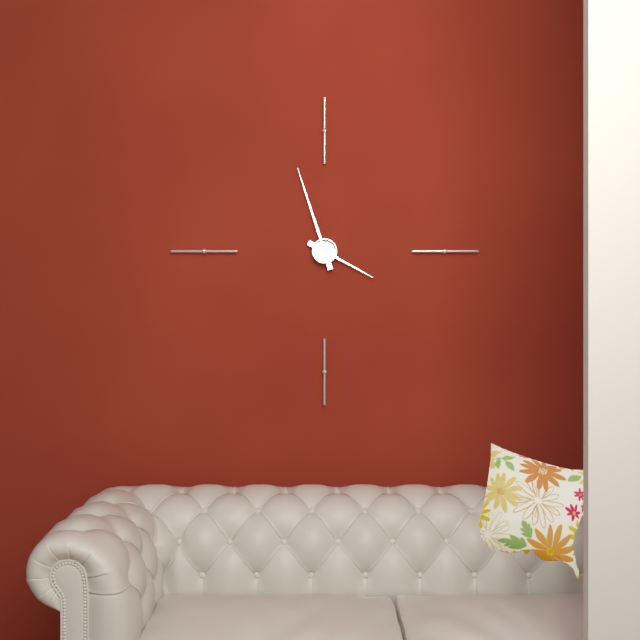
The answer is 3:57
